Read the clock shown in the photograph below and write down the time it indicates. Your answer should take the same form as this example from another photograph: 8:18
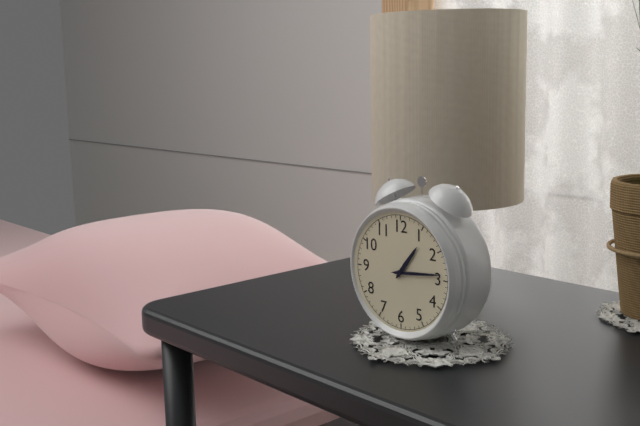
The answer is 1:14
